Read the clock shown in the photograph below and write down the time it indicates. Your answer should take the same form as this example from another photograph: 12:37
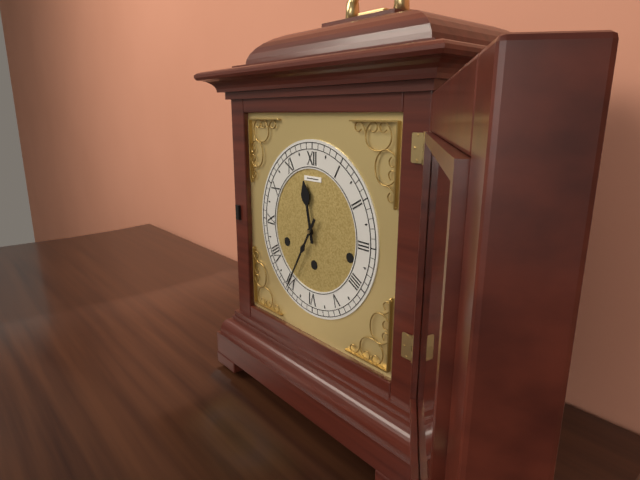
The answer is 11:35
